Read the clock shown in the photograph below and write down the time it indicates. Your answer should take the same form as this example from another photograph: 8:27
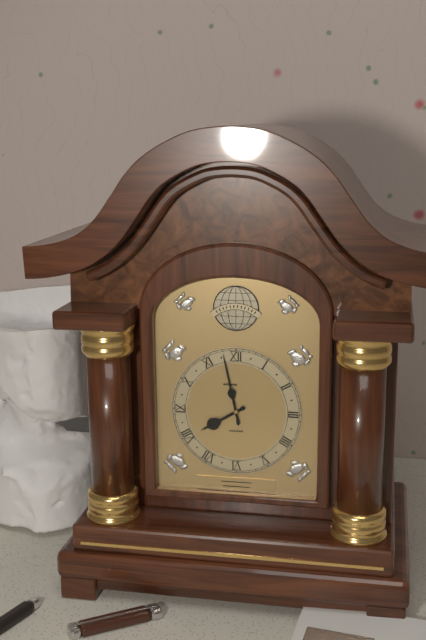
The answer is 7:58
